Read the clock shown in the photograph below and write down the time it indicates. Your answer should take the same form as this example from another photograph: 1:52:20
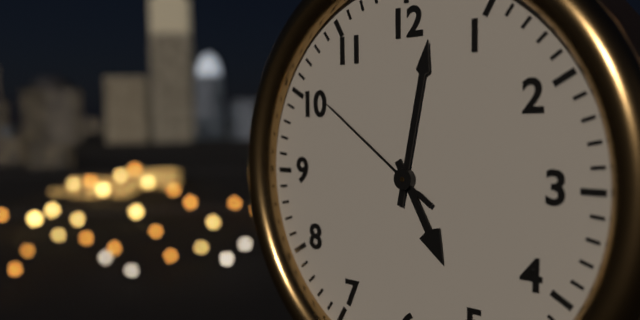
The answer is 5:02:51
